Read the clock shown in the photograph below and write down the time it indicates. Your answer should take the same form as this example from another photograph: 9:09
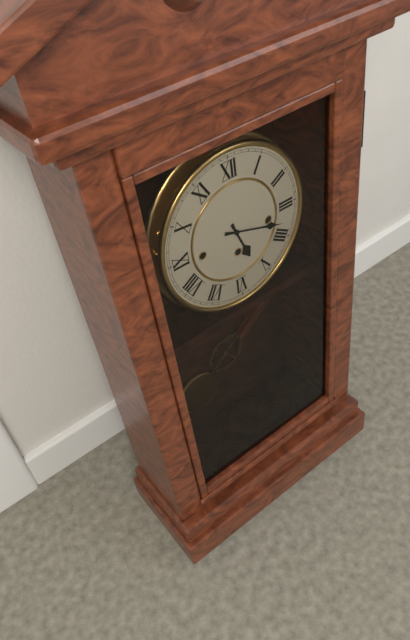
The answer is 5:18
